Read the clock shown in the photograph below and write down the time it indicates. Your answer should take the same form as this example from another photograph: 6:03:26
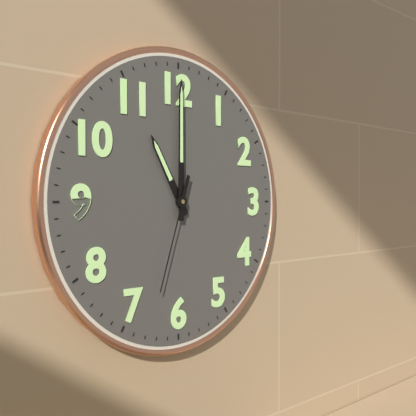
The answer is 11:00:33
